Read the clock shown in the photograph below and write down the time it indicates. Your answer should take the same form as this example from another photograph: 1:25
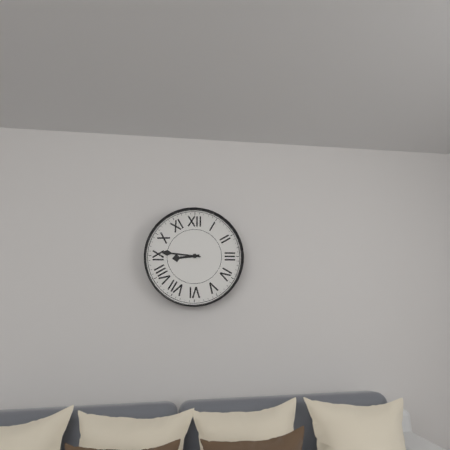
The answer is 8:46
